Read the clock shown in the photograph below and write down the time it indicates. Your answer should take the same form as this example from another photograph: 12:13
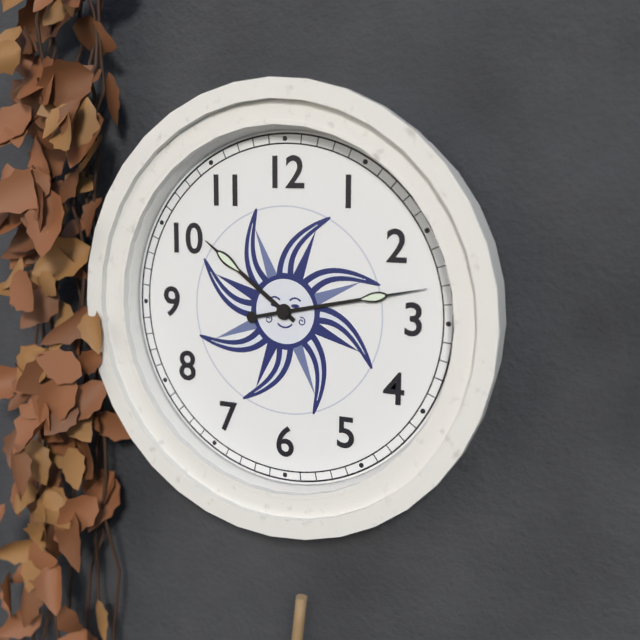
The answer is 10:13
